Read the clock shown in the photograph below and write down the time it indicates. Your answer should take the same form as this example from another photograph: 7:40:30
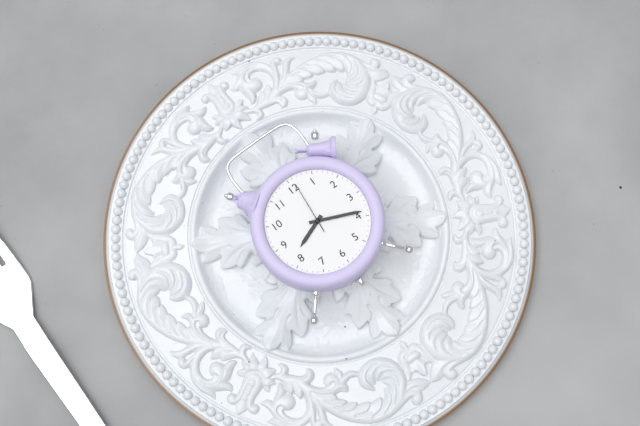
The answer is 8:19:01
